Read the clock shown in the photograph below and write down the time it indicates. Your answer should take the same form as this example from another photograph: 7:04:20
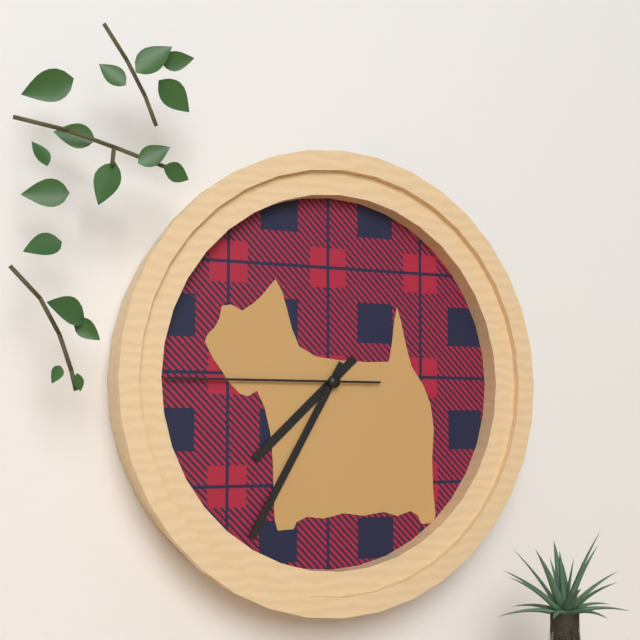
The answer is 7:35:45
